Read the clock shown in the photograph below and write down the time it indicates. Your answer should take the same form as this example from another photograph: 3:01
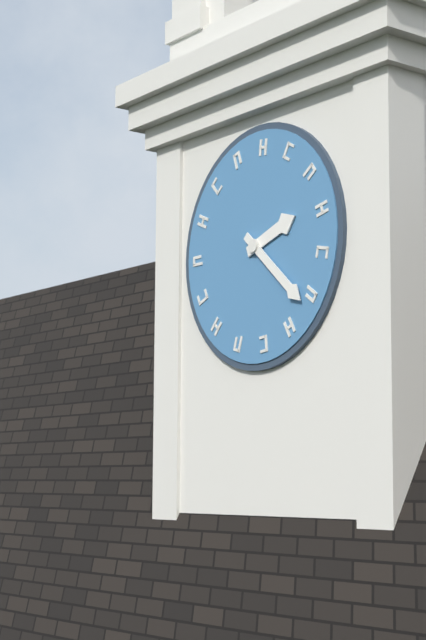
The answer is 2:22
